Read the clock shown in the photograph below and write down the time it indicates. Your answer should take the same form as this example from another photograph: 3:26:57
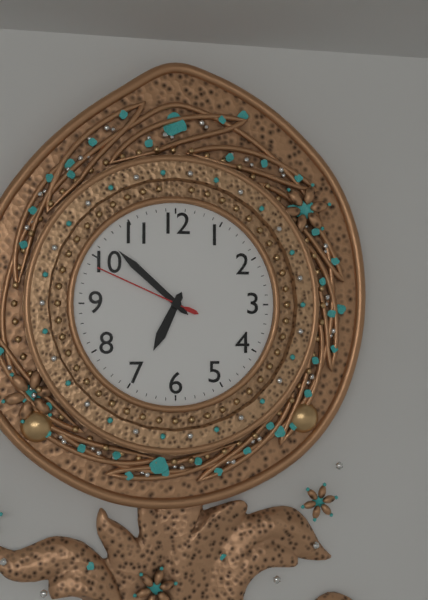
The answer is 6:52:49
